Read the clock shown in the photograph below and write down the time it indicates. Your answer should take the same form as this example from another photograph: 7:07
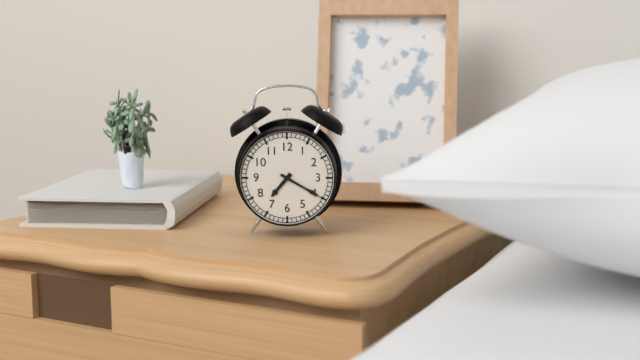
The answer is 7:20
